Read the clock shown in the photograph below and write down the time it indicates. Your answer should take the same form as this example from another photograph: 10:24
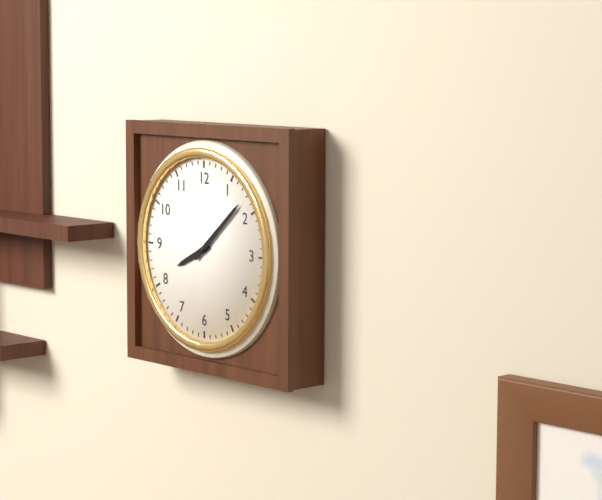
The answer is 8:08
